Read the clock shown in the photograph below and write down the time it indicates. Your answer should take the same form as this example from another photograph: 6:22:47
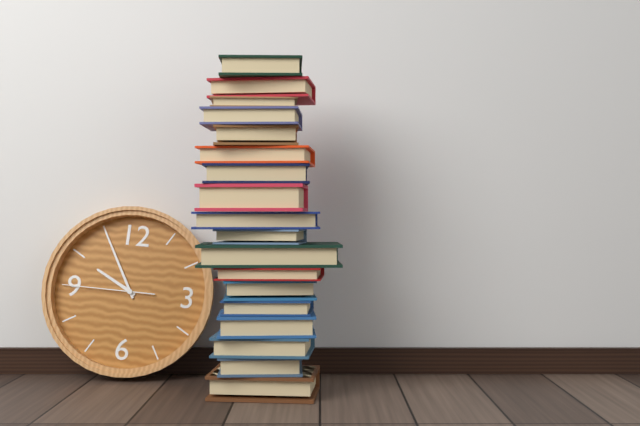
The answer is 9:55:45
